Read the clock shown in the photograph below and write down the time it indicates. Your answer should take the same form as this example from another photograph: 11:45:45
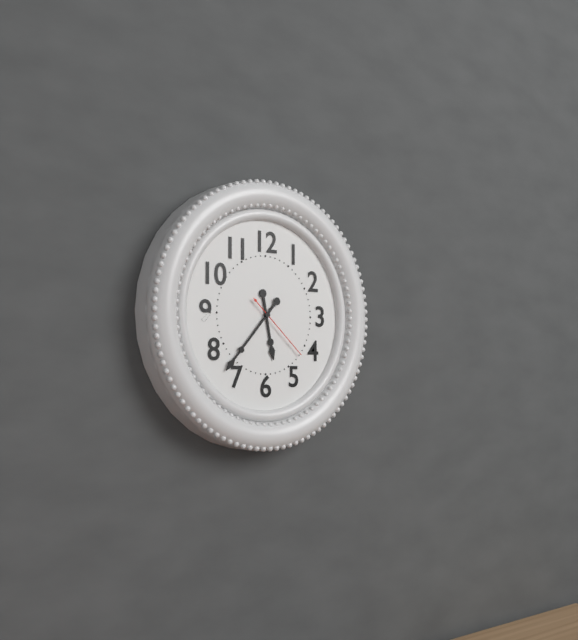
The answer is 5:37:22
